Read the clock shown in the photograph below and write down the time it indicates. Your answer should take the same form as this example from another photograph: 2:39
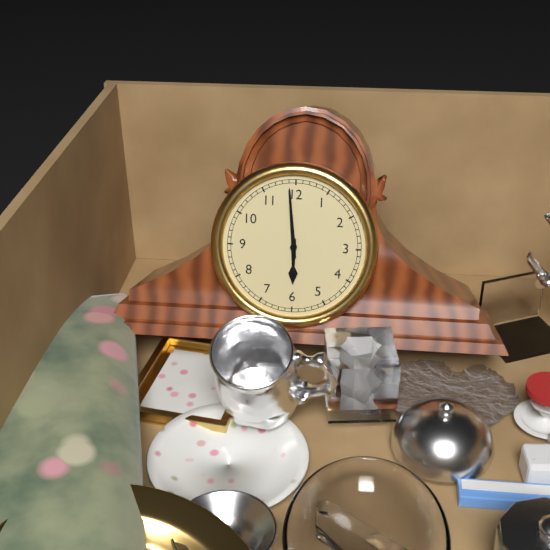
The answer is 5:59
